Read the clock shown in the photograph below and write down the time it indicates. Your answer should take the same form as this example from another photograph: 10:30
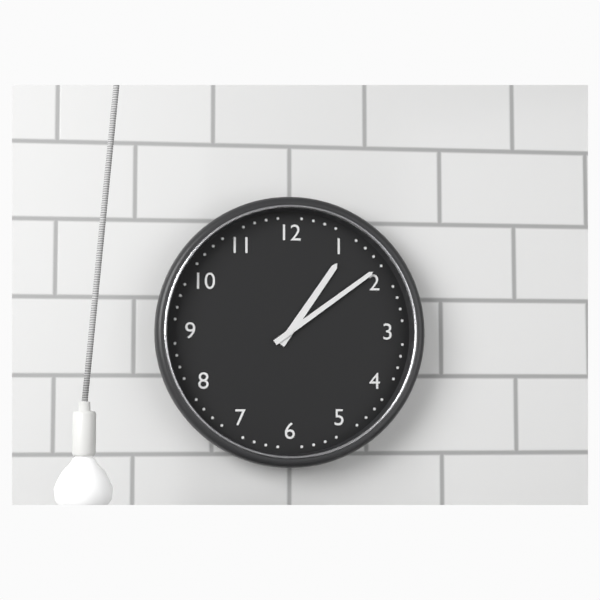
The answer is 1:09
